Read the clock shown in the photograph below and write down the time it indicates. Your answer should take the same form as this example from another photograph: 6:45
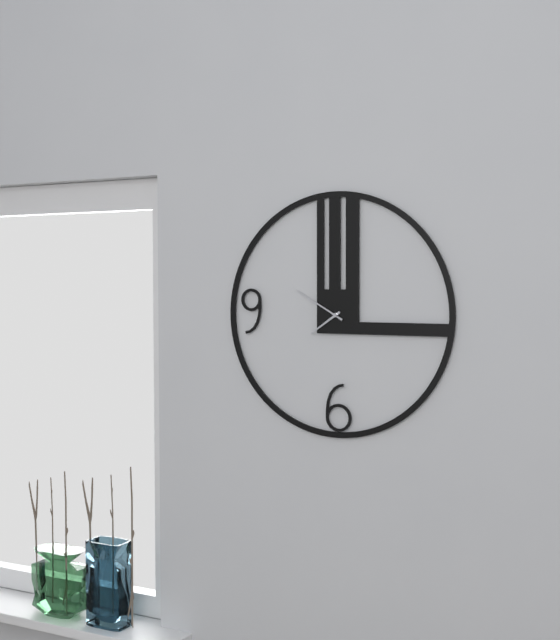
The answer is 7:50
